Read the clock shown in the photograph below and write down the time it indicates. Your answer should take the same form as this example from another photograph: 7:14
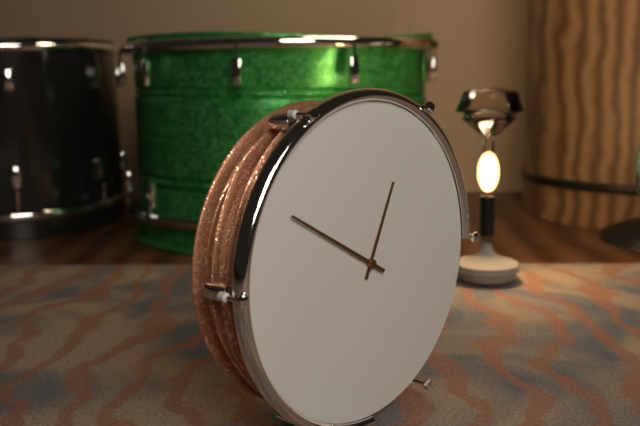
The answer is 12:50
